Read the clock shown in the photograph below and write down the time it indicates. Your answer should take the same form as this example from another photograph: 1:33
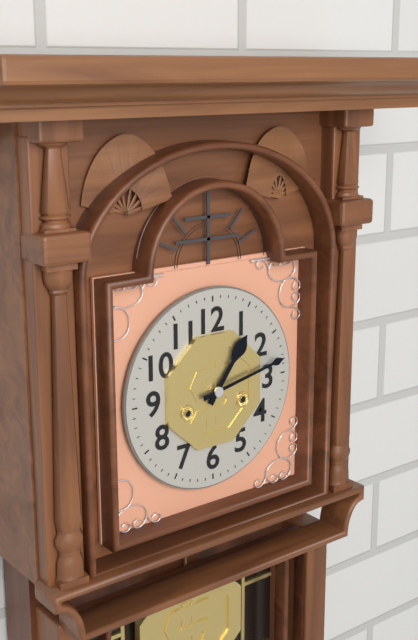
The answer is 1:13
